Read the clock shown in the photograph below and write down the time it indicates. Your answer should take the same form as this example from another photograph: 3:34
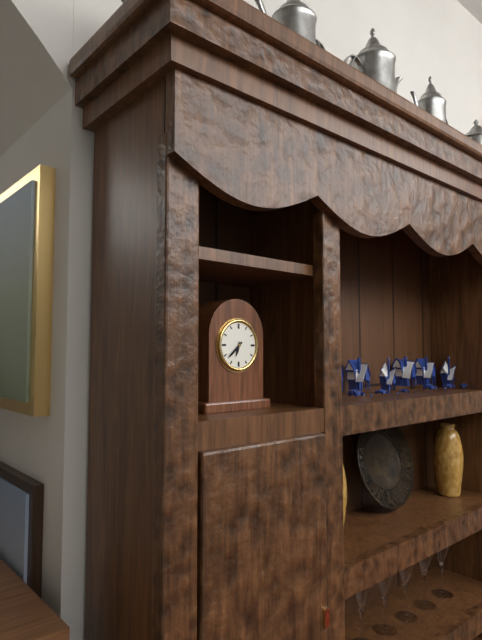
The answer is 6:38
